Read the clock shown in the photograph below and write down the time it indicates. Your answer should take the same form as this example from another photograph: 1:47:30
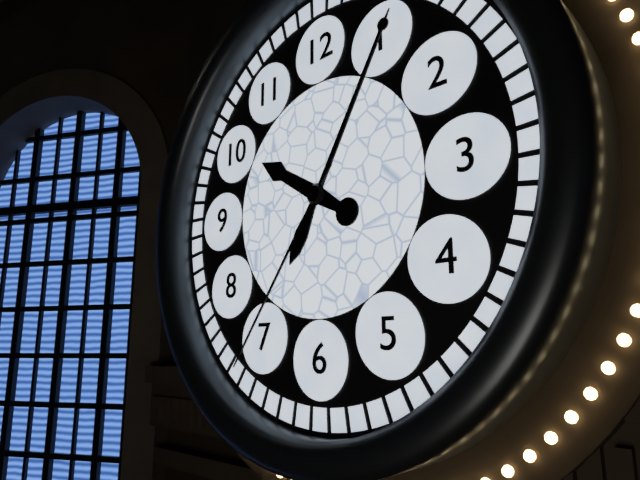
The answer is 10:05:36
